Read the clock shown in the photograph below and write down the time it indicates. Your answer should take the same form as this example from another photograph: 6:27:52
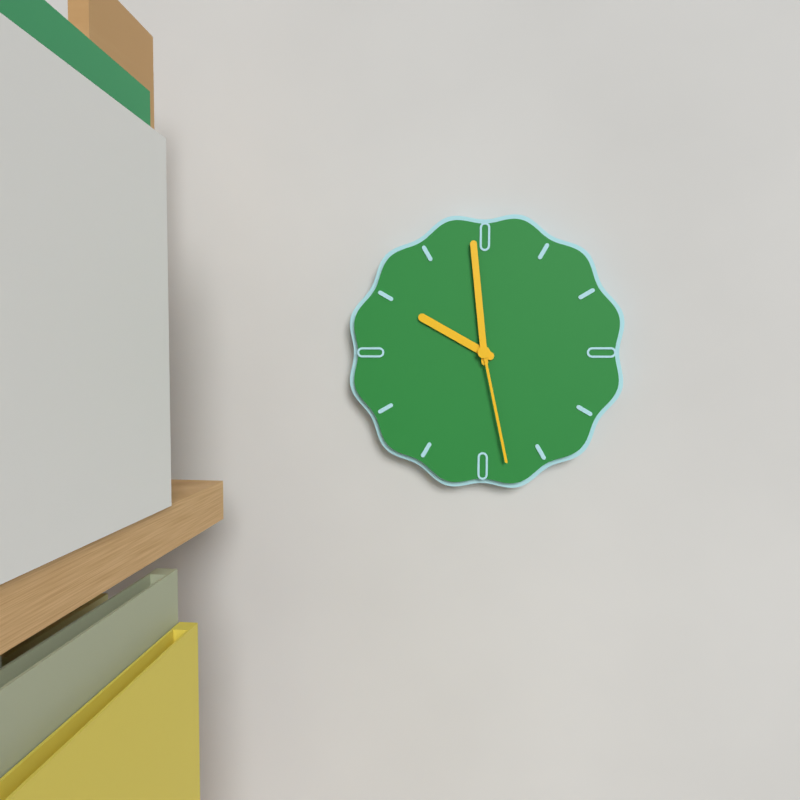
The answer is 9:59:28
